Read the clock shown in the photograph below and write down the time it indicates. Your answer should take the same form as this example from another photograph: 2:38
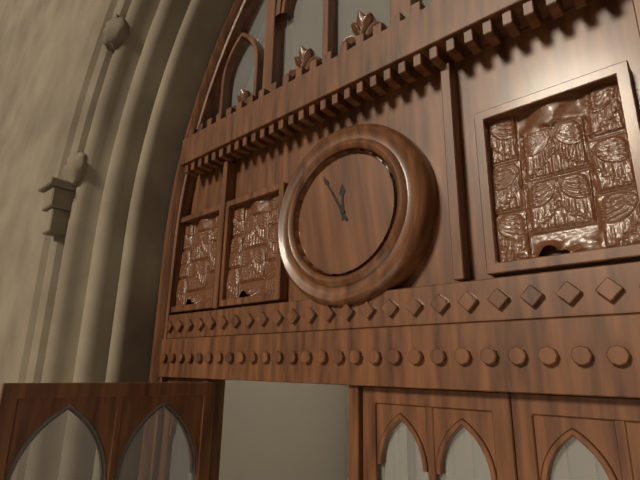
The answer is 11:55
